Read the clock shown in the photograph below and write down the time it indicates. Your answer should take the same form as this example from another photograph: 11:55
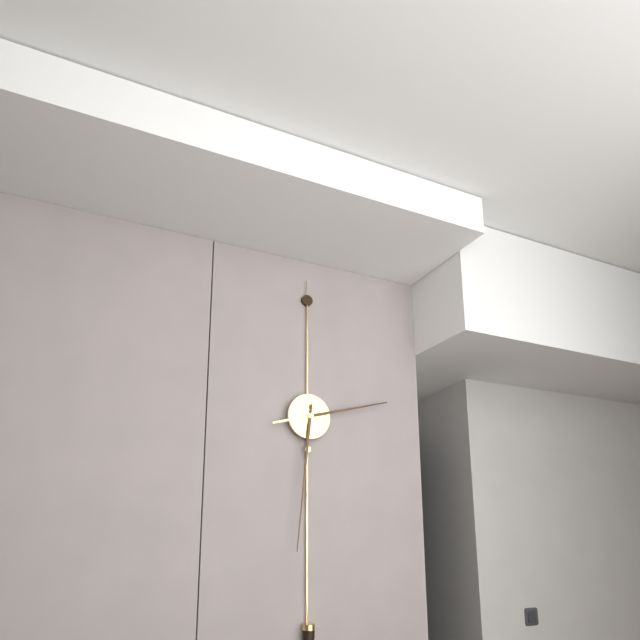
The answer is 2:31
